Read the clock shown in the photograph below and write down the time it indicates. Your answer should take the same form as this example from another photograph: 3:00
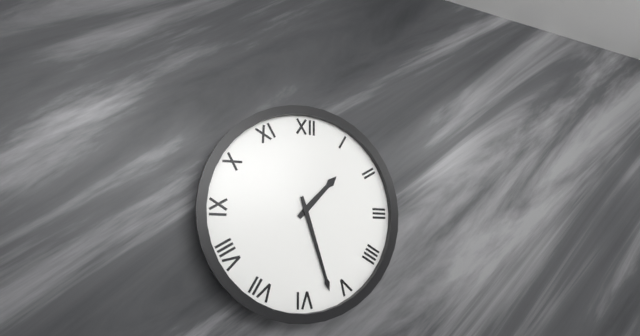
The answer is 1:27
